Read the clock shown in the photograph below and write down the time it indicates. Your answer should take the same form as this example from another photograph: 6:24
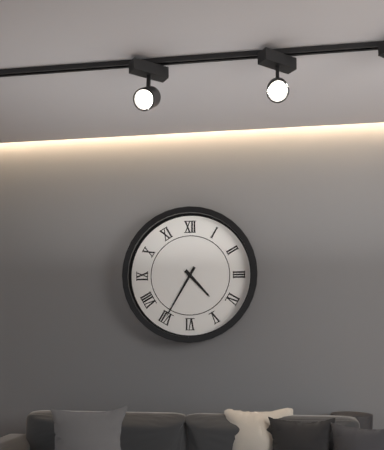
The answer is 4:35
